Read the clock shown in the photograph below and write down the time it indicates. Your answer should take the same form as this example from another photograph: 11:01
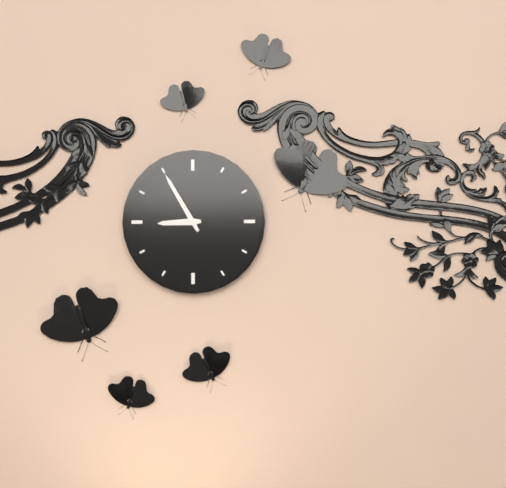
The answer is 8:55
